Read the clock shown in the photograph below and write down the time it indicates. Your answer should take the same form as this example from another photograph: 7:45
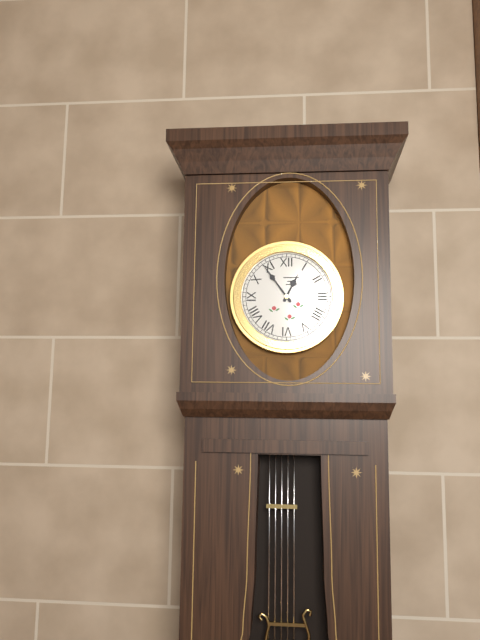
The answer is 12:54
